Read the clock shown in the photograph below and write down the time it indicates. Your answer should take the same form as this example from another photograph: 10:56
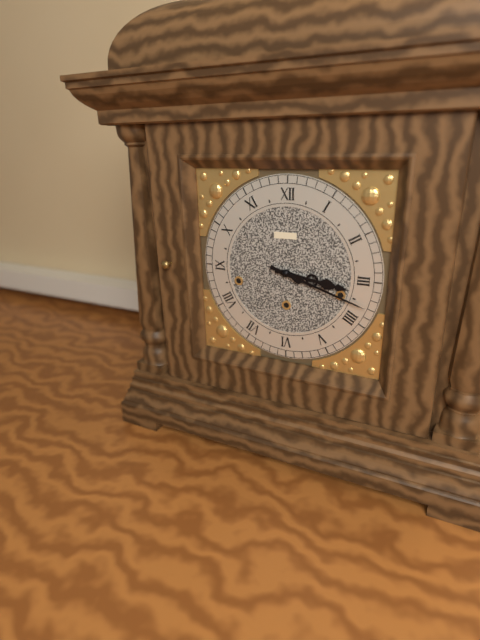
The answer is 3:18
